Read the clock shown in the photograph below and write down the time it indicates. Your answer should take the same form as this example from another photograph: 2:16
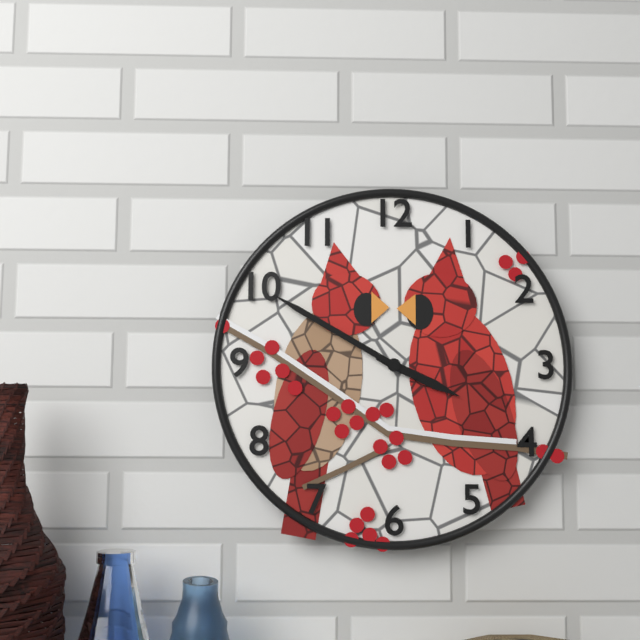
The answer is 3:50
